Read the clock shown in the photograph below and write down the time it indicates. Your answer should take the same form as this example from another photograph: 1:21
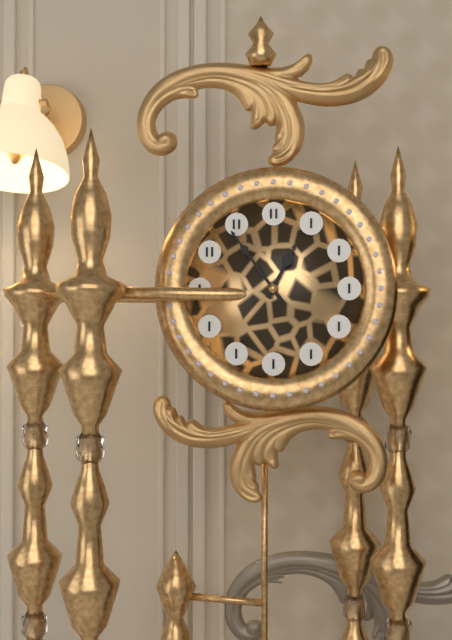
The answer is 12:54
